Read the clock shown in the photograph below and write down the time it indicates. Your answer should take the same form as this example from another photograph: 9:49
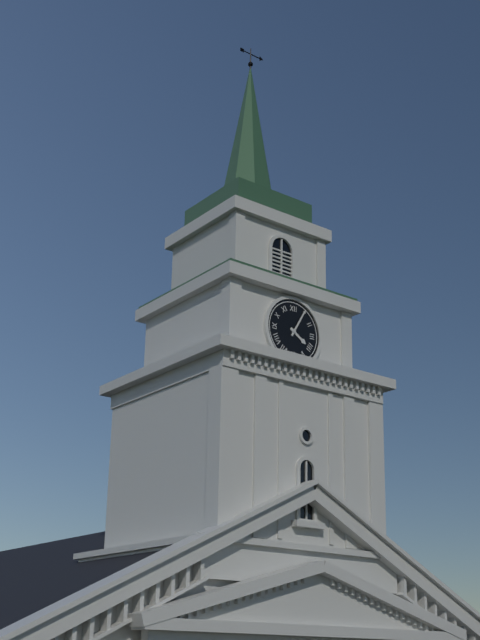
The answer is 4:05
